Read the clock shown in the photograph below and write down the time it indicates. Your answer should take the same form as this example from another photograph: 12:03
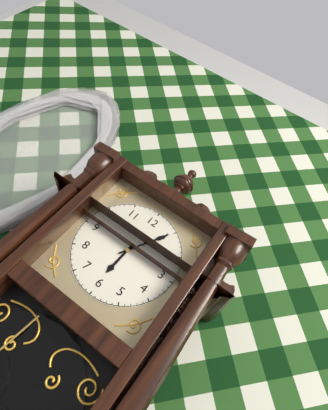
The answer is 6:05
